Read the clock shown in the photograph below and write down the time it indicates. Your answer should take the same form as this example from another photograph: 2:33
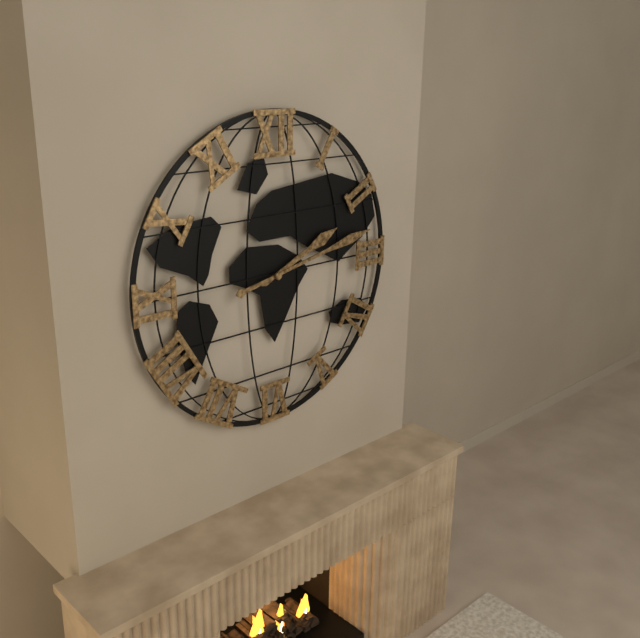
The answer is 2:13
